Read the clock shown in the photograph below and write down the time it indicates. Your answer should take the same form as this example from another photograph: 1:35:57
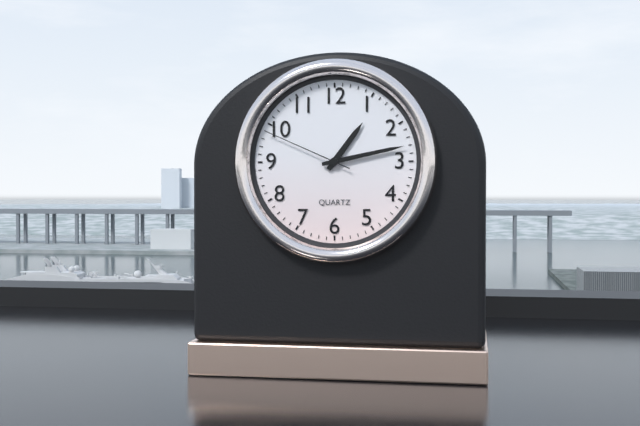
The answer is 1:13:49
